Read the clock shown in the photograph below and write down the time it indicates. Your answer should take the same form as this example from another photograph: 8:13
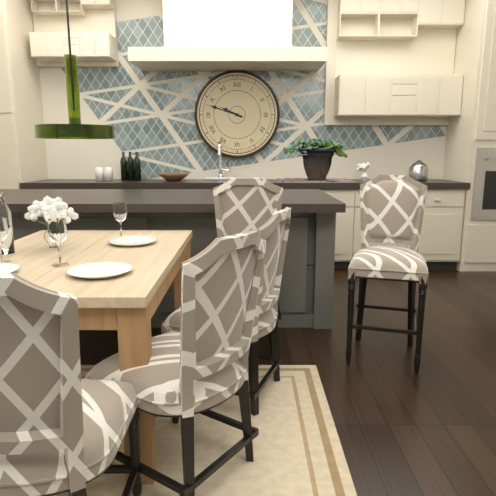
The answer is 9:48
